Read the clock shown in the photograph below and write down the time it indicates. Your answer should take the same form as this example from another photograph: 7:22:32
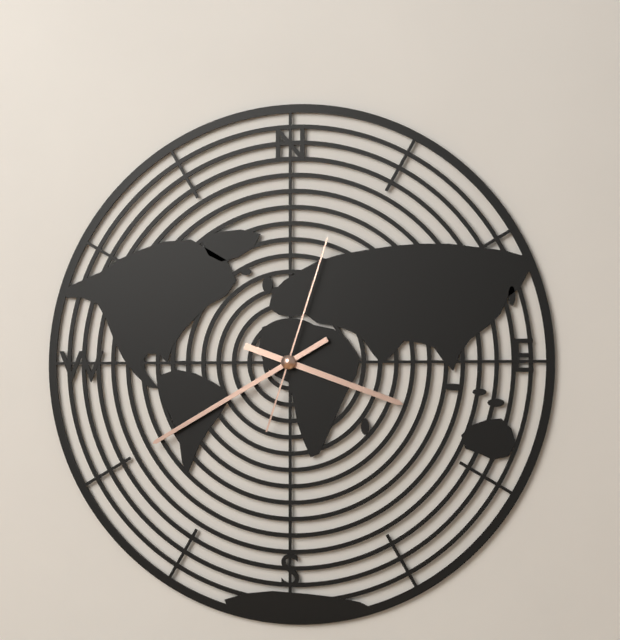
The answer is 3:40:03
